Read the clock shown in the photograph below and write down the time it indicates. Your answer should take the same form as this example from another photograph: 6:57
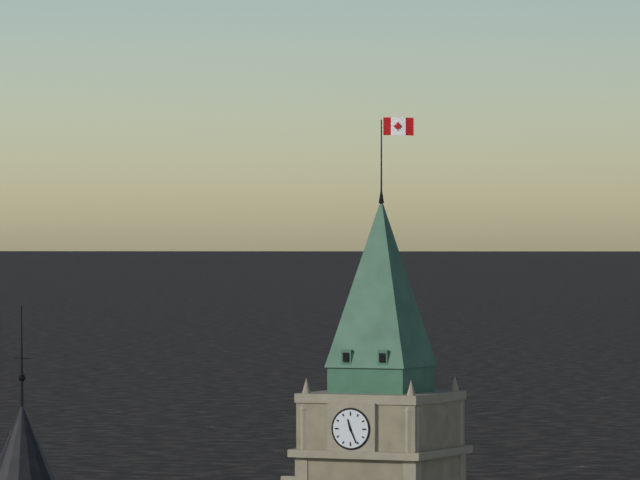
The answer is 11:26
